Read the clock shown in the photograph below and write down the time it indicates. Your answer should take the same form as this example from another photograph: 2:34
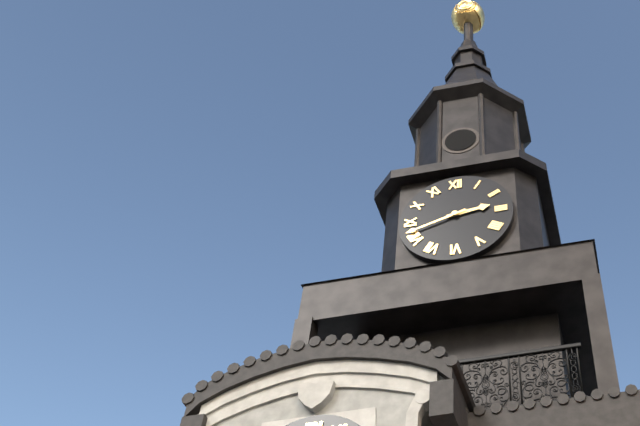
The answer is 2:42
